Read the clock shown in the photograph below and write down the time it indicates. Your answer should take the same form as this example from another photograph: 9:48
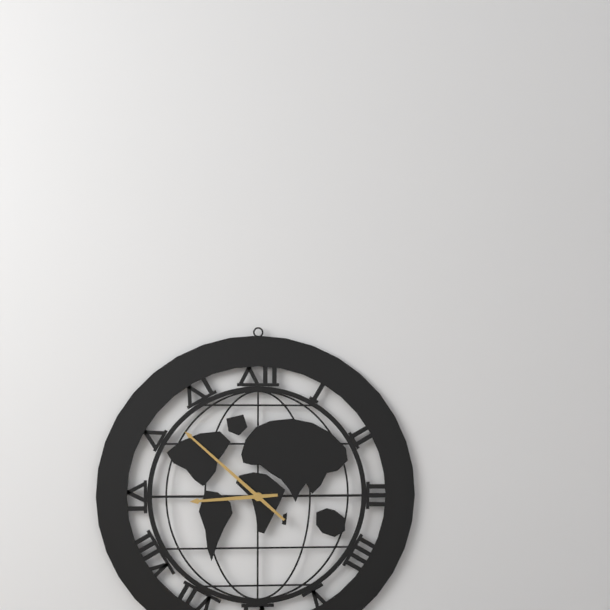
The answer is 8:52
